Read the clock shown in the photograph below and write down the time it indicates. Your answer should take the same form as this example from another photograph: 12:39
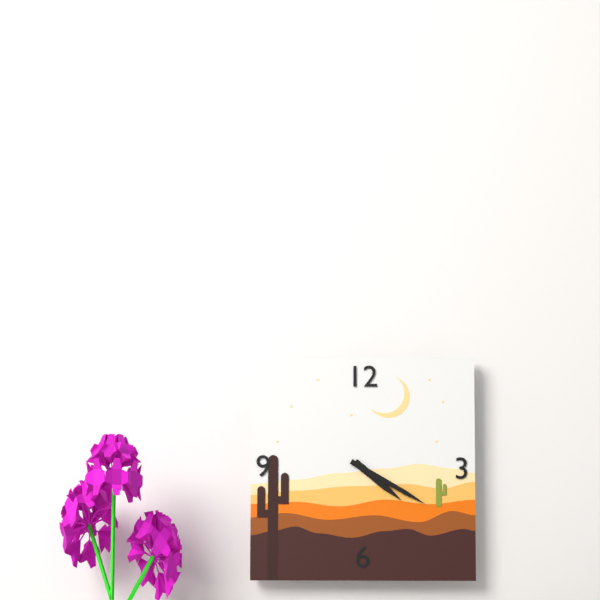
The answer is 4:20
